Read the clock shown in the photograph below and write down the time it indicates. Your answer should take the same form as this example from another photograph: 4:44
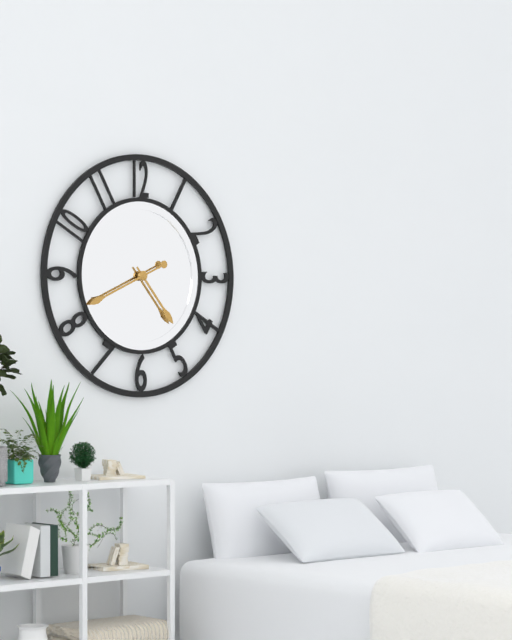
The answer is 4:41
